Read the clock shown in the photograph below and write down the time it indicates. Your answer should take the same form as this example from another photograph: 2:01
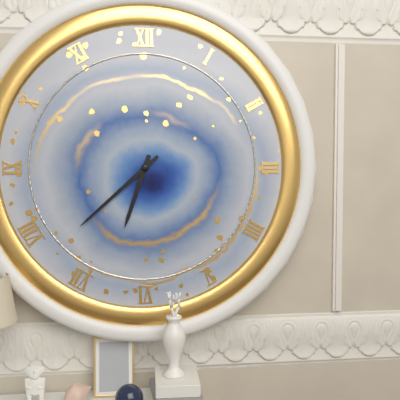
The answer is 6:38
